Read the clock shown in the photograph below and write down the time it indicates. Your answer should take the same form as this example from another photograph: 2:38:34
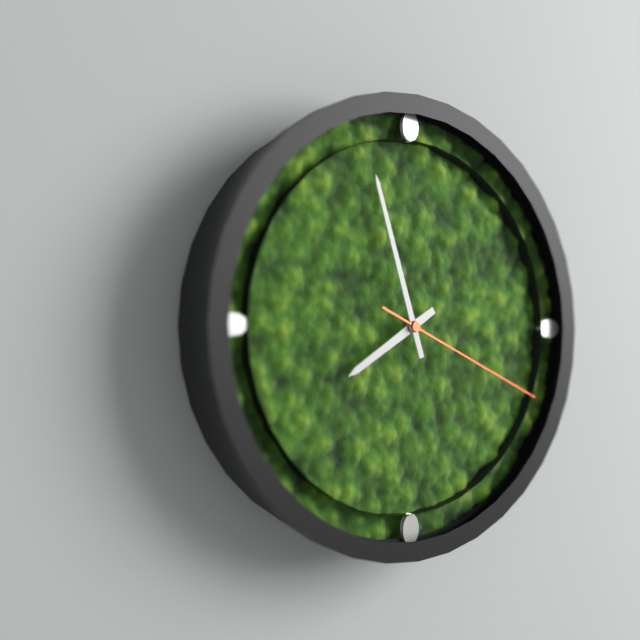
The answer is 7:57:19
